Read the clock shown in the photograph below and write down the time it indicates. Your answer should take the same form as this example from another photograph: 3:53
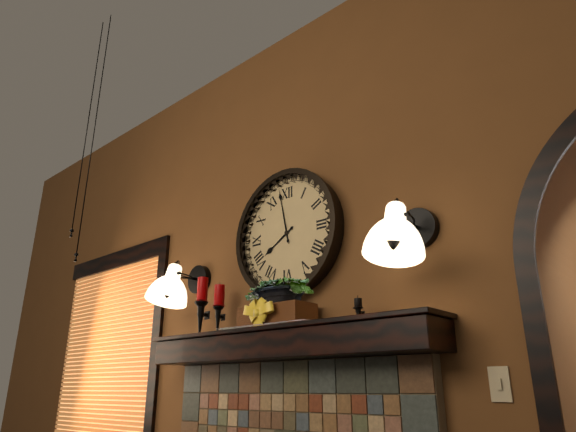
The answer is 7:58
